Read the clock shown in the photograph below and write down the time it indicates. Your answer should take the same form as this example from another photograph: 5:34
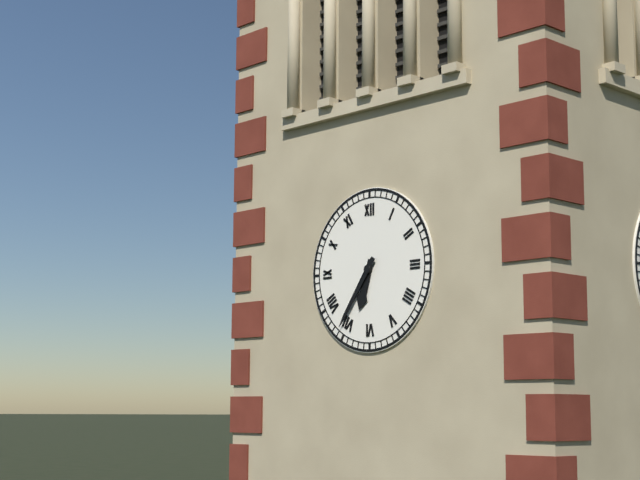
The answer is 6:36
